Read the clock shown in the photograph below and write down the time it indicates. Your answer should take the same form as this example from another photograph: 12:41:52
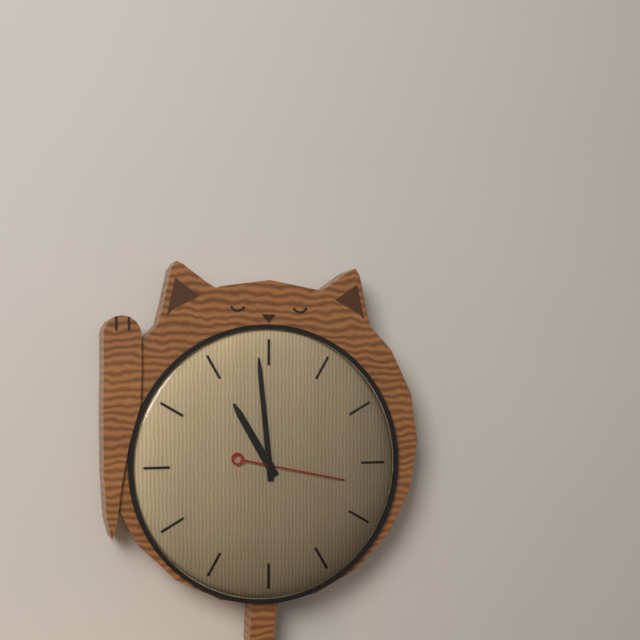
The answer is 10:59:17
